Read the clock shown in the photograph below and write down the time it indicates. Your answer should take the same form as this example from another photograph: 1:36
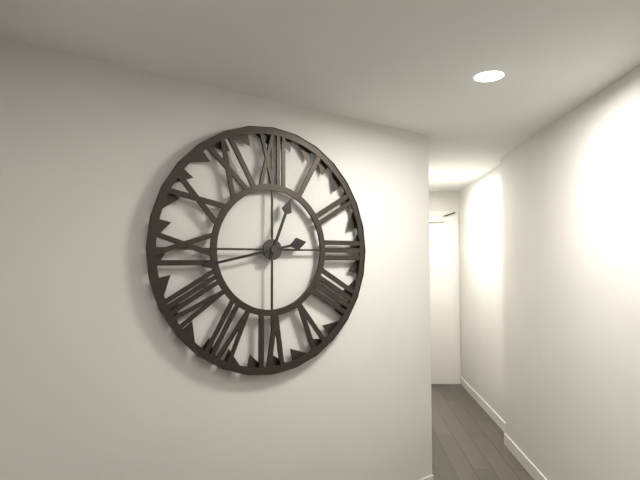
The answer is 12:43
